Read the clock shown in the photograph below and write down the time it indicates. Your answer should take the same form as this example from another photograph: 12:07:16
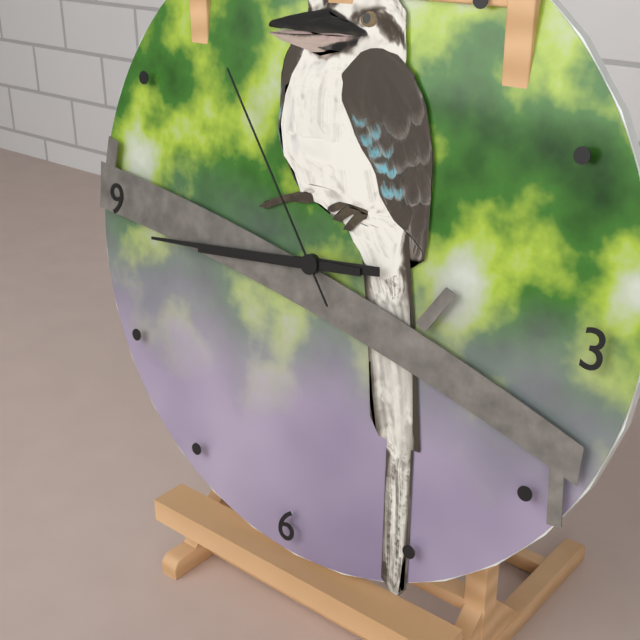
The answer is 8:44:54
